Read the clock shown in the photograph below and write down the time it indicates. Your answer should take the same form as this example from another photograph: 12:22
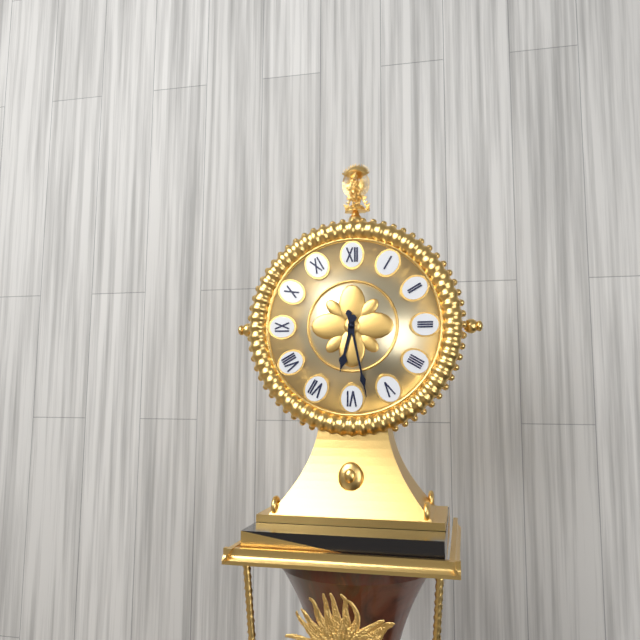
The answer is 6:28
